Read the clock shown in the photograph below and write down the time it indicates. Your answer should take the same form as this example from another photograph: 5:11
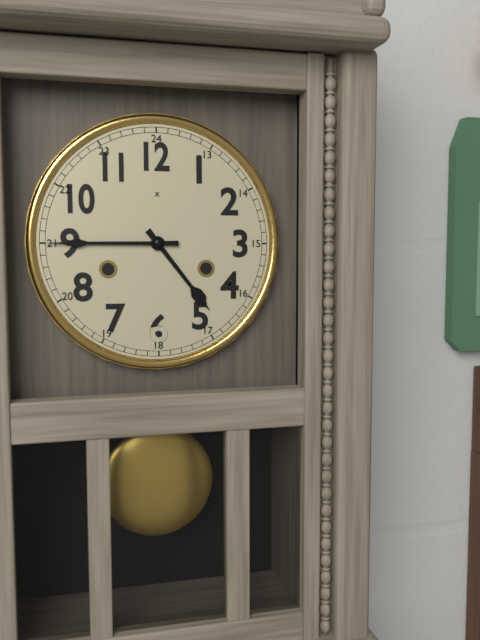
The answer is 4:45
